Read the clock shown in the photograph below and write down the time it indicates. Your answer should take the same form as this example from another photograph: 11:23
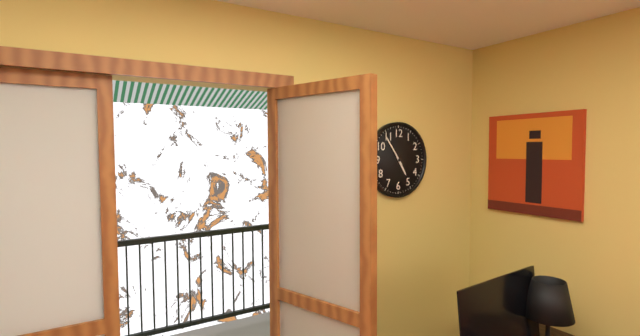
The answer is 4:54
